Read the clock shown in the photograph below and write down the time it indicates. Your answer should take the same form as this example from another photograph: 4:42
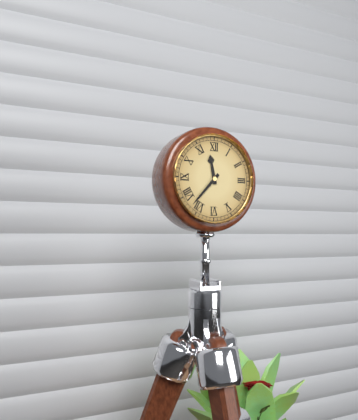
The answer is 11:37
